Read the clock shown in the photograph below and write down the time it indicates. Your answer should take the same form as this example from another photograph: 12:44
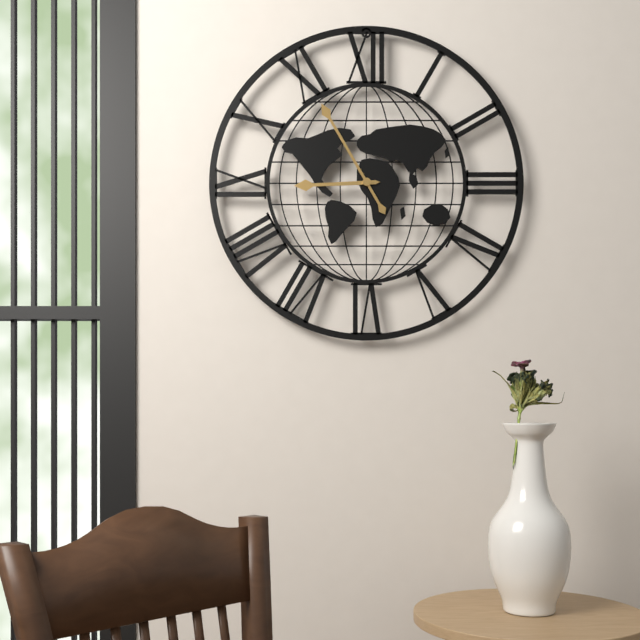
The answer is 8:55
